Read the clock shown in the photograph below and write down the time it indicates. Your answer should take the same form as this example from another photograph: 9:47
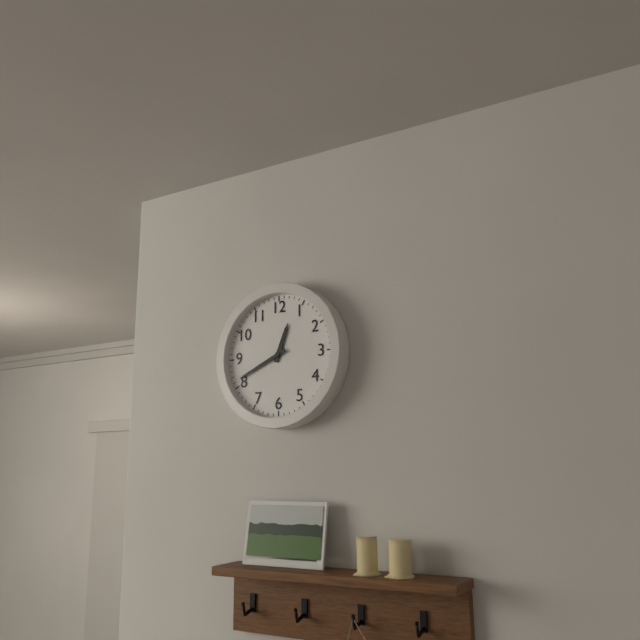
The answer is 12:41
